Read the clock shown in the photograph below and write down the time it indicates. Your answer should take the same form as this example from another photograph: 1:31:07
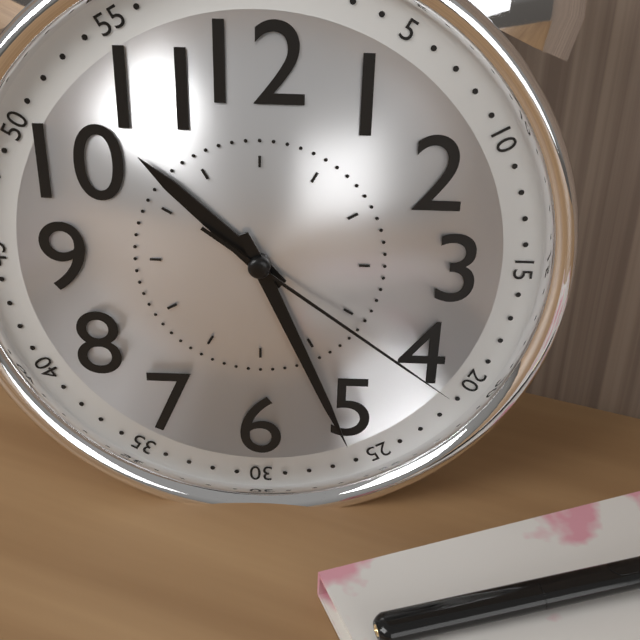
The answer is 10:26:21
